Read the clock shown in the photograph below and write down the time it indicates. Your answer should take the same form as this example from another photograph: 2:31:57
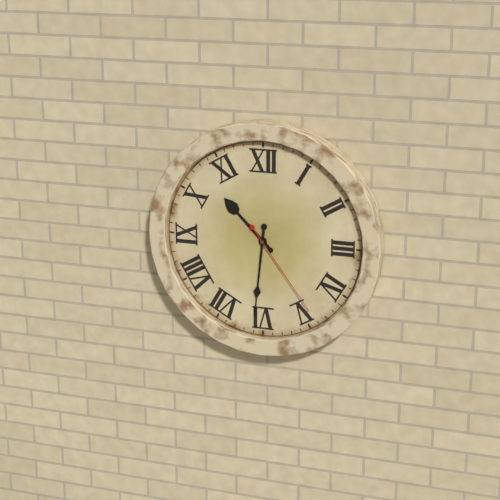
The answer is 10:31:24
